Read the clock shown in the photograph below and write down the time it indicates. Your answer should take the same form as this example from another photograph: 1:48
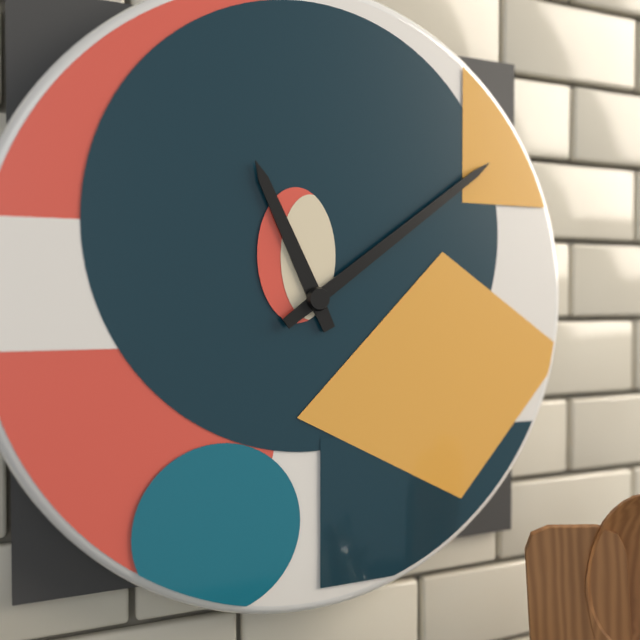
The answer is 11:09
